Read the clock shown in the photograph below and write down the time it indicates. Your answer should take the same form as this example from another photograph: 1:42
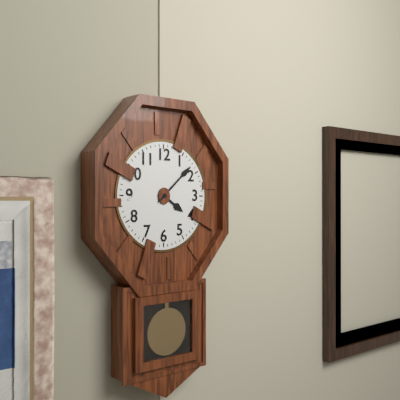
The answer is 4:08
